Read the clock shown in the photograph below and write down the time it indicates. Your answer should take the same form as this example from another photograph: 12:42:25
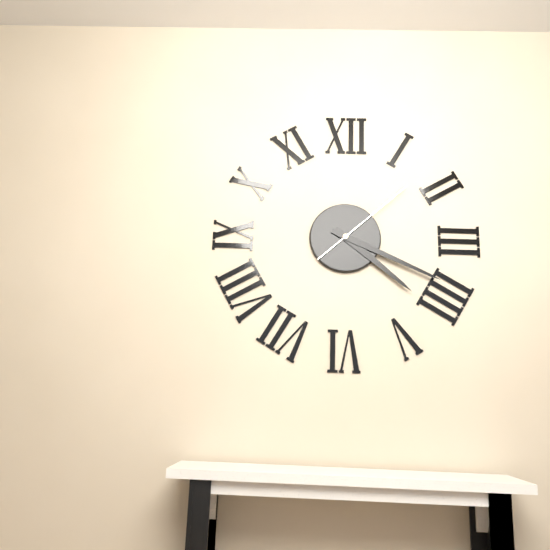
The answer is 4:19:08
